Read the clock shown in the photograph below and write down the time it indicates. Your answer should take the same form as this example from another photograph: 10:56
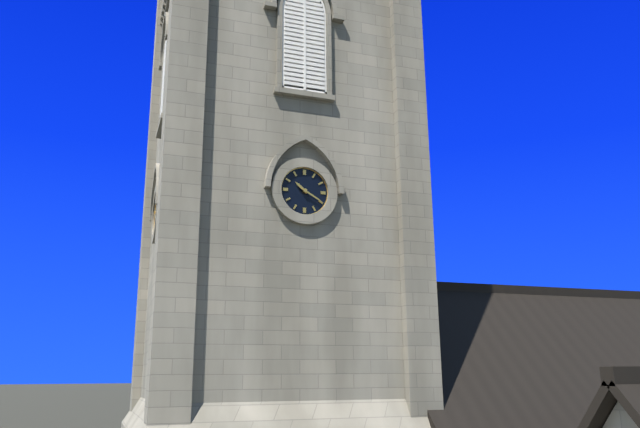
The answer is 10:20
